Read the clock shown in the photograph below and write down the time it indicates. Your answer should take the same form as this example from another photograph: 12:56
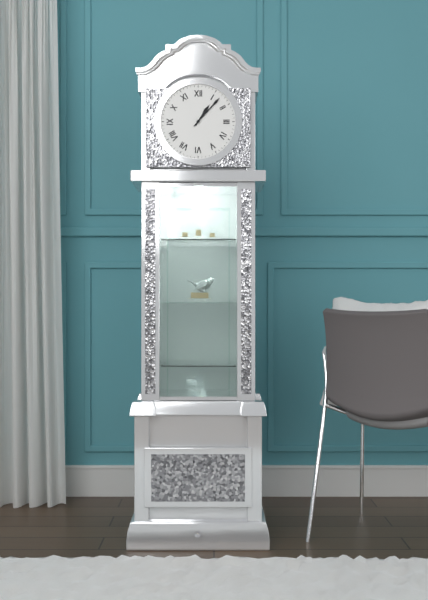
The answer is 1:07
